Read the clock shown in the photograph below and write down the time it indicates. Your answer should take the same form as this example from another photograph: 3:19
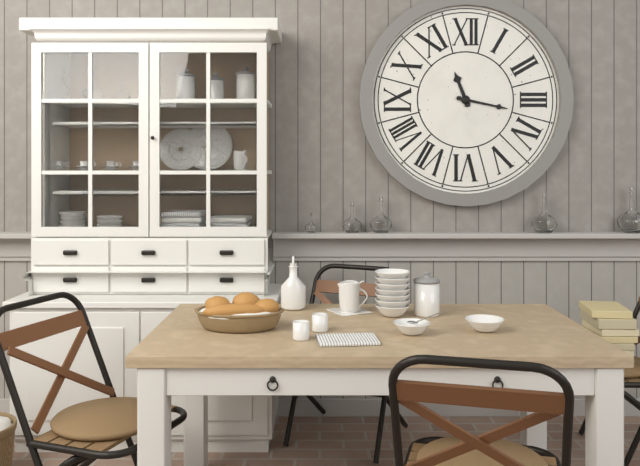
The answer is 11:17
